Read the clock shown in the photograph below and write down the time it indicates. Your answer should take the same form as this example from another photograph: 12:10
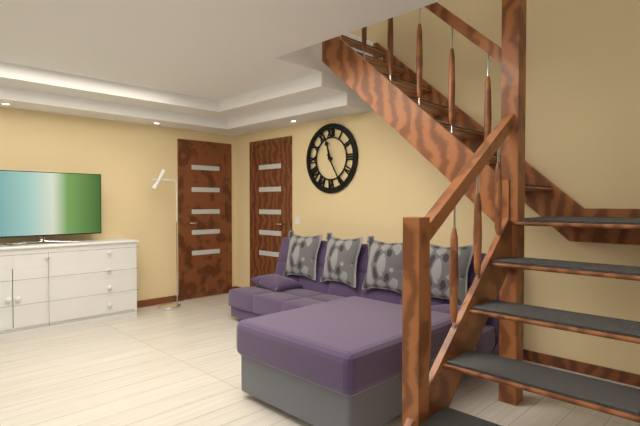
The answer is 11:25
